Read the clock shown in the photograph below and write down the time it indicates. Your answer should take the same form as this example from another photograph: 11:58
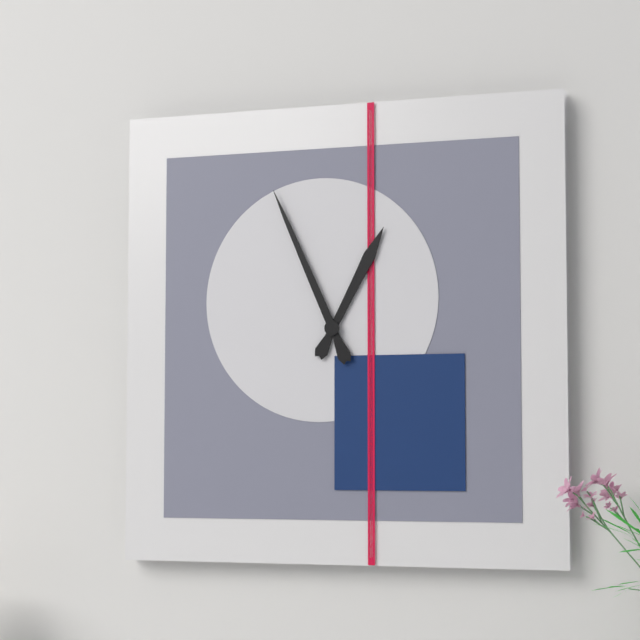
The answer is 12:56
